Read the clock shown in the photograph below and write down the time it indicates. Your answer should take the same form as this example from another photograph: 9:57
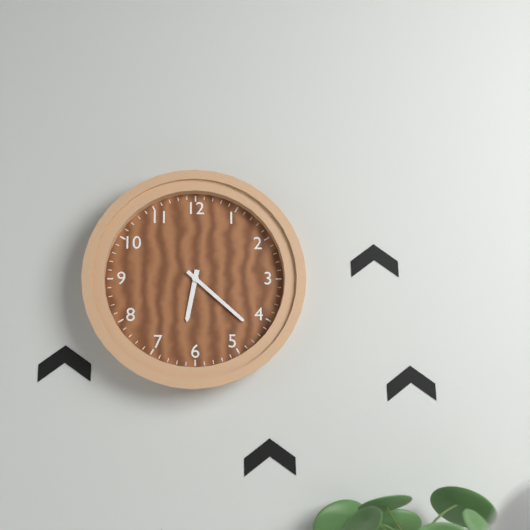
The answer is 6:22
